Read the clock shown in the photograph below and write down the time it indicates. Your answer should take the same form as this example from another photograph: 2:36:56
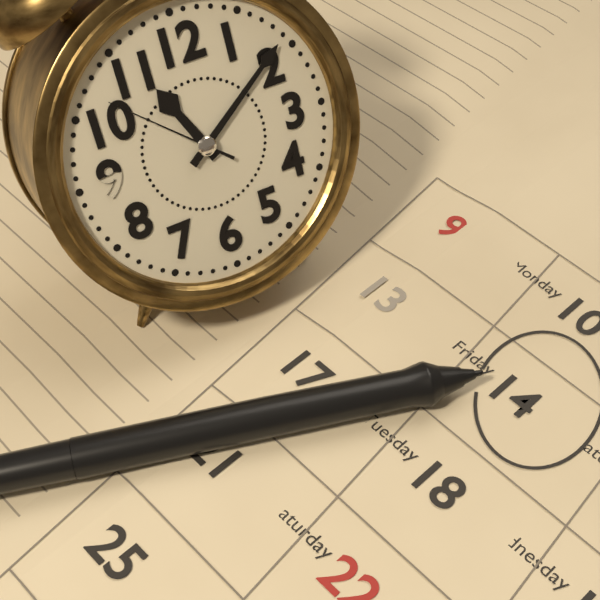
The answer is 11:09:52
